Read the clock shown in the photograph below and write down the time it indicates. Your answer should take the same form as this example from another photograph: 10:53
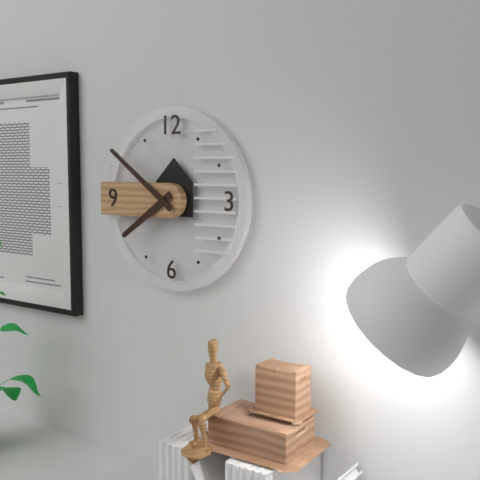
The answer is 7:51
